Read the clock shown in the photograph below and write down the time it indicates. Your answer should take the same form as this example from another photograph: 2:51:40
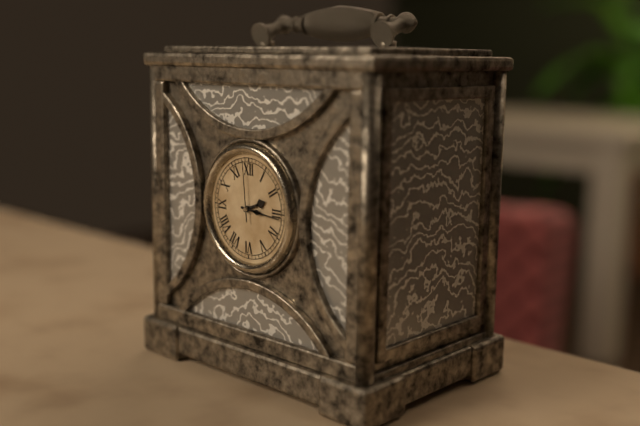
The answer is 2:16:59
